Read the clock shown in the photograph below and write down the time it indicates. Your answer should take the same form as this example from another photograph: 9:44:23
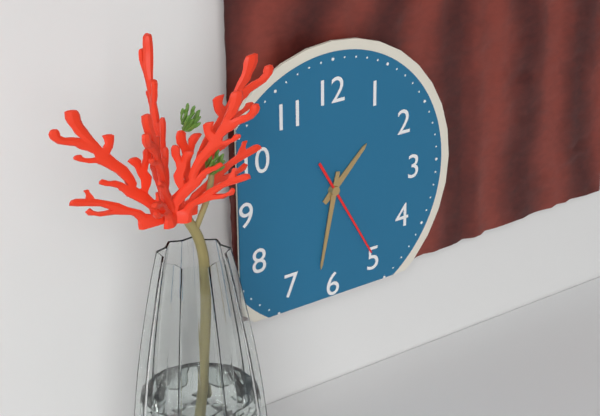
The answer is 1:32:25
